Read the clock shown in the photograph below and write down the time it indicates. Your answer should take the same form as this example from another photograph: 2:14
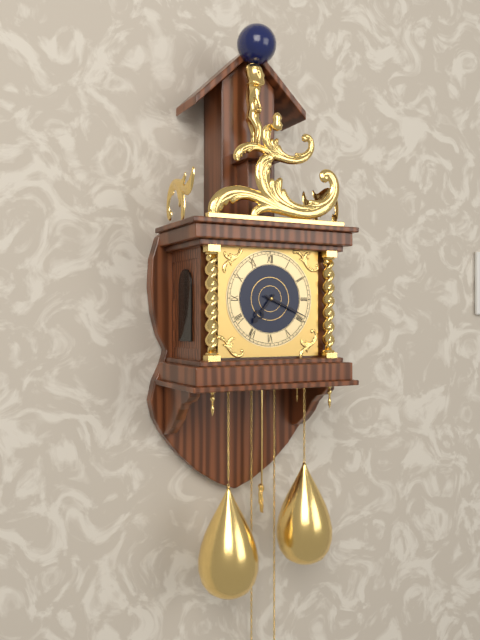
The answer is 7:19
